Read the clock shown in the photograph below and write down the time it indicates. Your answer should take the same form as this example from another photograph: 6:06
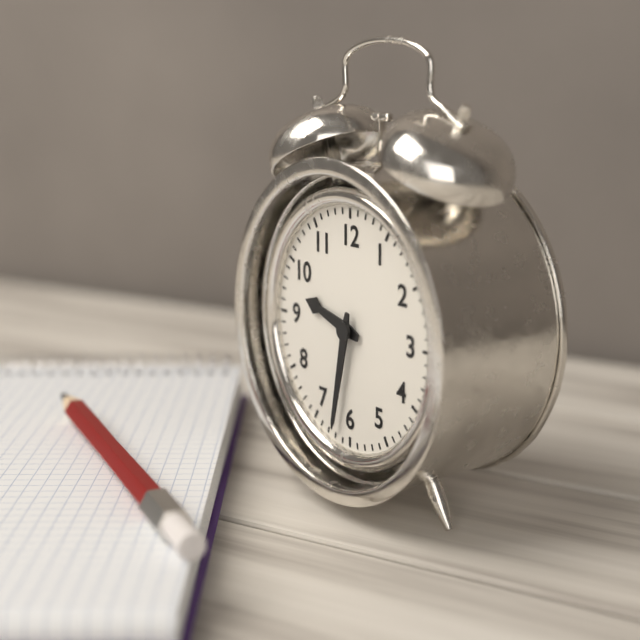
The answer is 9:32
